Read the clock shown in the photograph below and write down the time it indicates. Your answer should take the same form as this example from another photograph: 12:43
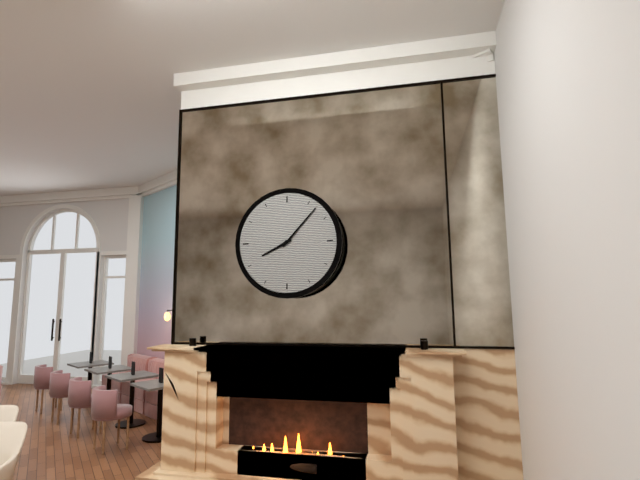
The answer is 8:07
